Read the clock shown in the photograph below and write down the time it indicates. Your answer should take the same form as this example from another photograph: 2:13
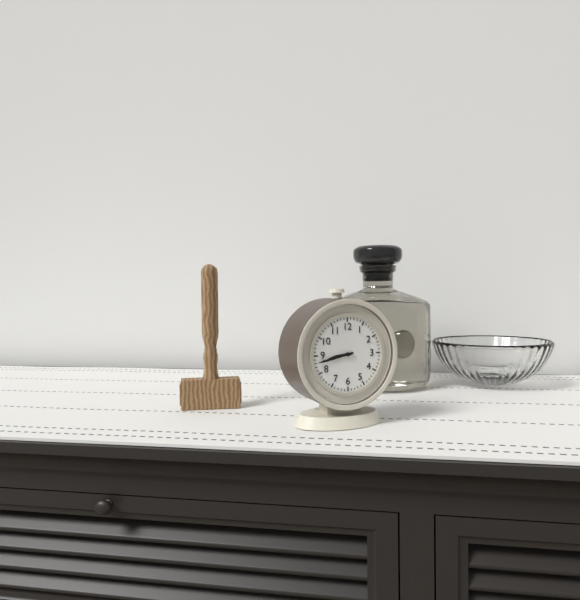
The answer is 8:43
